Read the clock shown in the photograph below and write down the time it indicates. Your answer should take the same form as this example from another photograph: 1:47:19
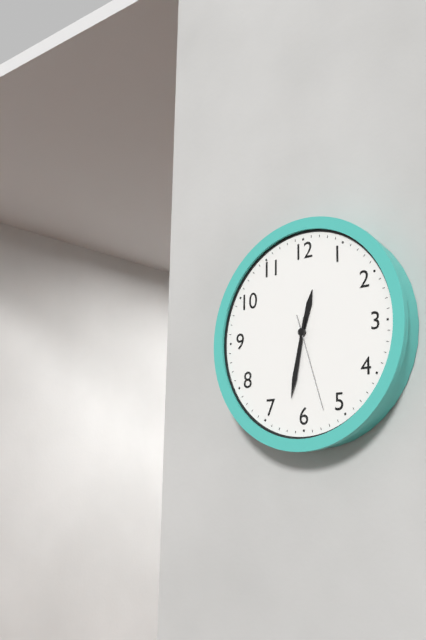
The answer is 12:32:27
